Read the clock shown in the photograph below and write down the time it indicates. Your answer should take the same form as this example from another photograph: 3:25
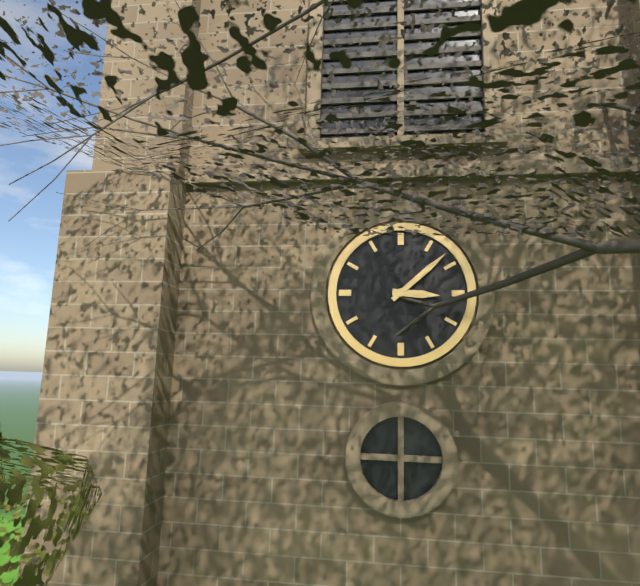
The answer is 3:08
